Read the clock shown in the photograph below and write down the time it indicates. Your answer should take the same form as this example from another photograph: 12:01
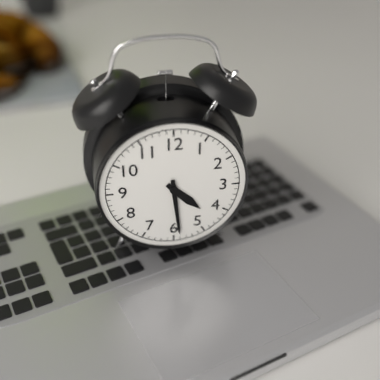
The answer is 4:29
